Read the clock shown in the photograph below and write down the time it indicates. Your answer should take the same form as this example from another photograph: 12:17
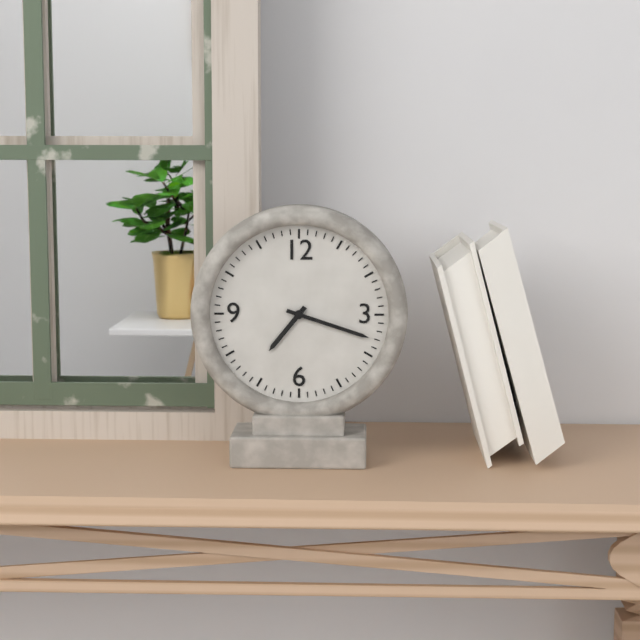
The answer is 7:18
